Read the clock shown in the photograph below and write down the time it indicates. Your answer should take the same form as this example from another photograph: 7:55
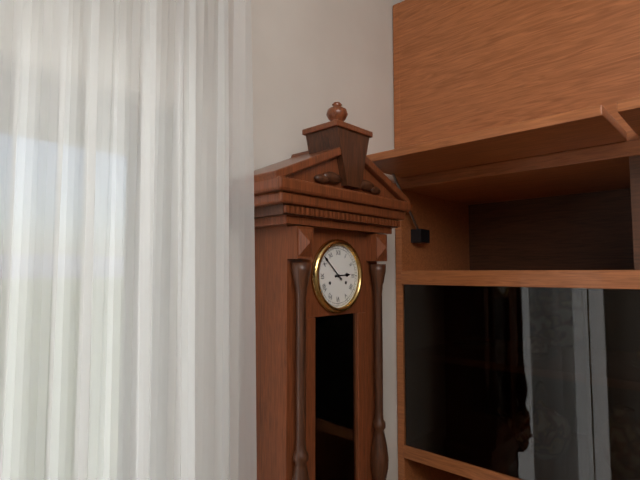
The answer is 2:52
